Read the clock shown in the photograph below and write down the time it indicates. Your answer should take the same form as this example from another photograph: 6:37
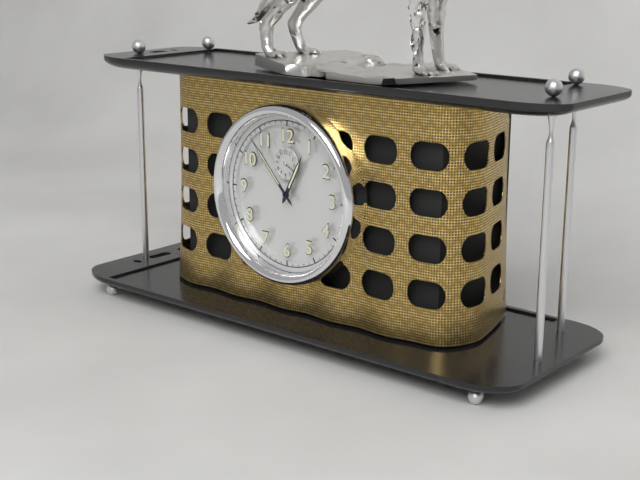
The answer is 12:53
